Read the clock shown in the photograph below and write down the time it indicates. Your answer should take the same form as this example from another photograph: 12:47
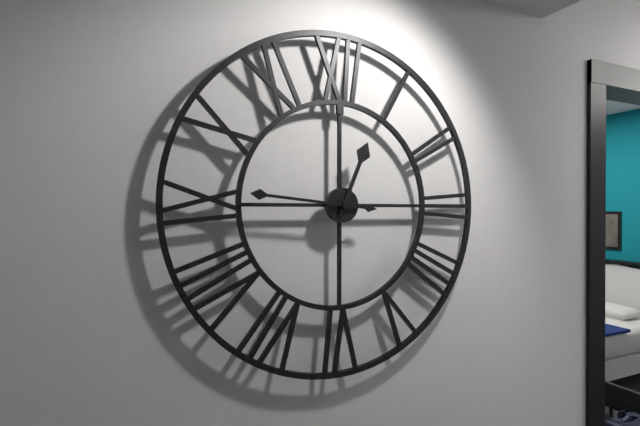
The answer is 12:46
